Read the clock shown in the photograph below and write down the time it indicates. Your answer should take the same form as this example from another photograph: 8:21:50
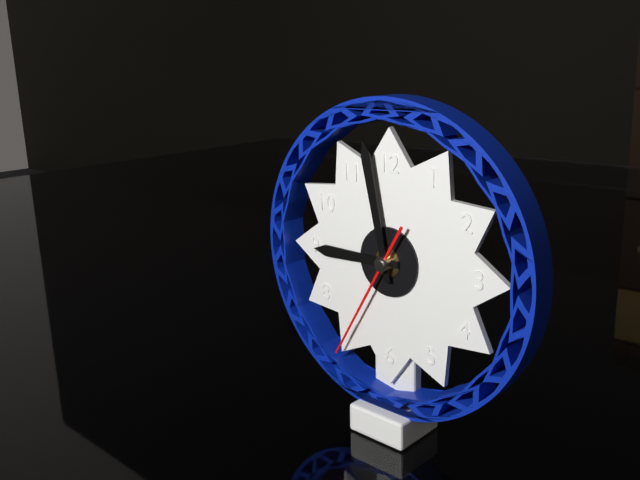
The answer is 8:58:35
